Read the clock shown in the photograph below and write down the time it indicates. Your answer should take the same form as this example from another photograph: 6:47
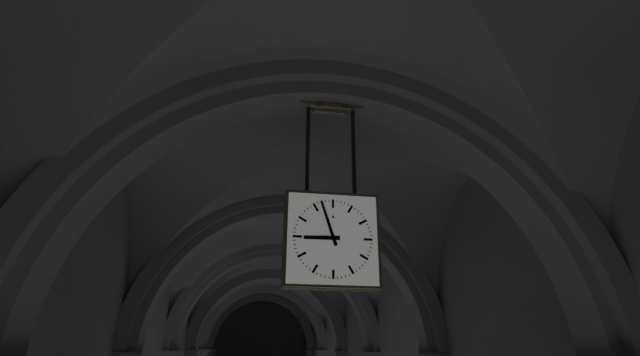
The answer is 8:57
